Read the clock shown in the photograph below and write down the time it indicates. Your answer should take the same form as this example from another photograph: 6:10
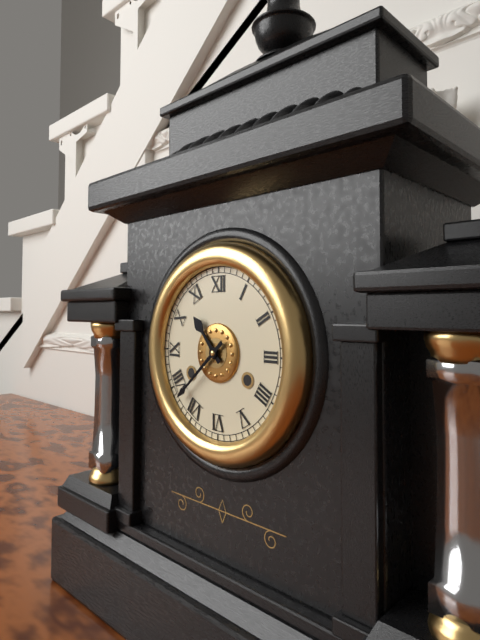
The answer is 10:38
